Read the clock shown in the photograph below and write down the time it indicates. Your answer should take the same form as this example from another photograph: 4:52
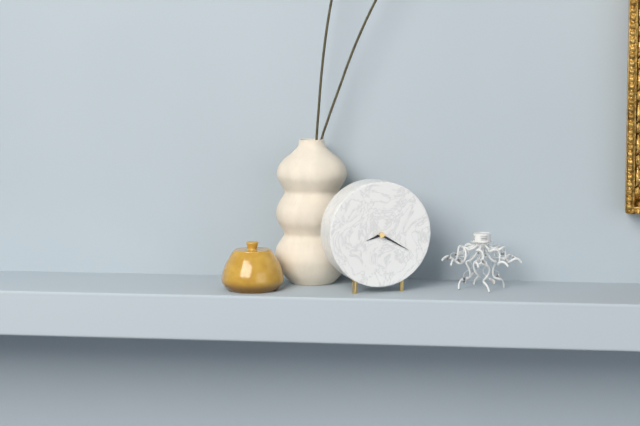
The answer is 8:20
